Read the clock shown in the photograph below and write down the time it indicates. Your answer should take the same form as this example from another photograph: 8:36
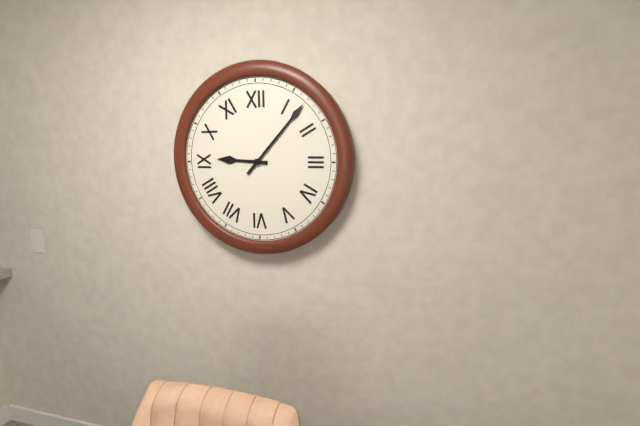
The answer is 9:07
